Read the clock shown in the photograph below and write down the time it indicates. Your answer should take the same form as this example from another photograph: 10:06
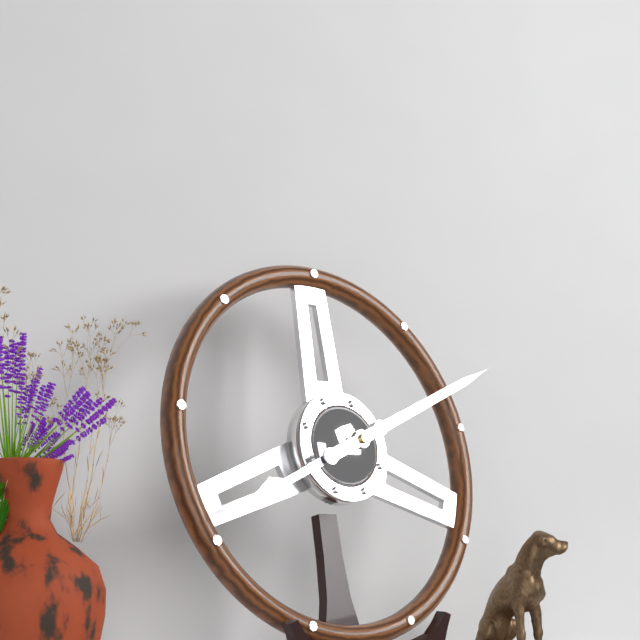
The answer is 8:11
